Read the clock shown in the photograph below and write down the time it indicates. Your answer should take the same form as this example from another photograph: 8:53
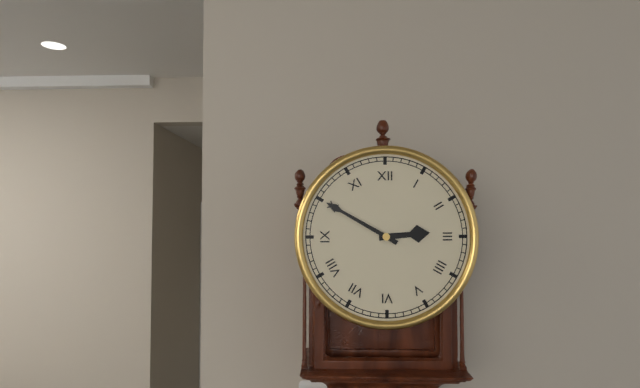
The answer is 2:50
